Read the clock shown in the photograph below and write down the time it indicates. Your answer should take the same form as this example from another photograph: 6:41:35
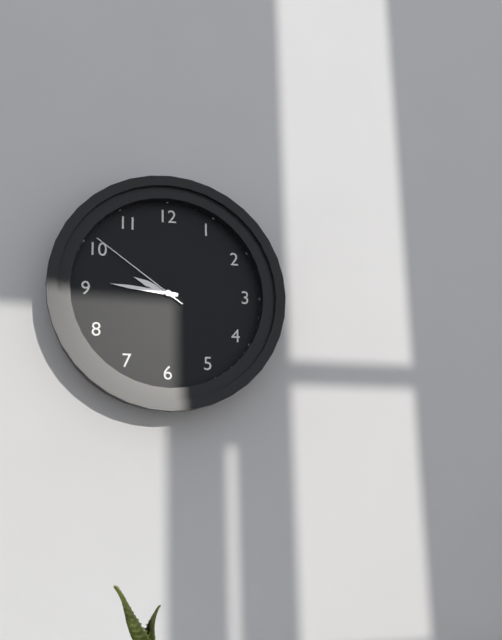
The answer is 9:46:51
